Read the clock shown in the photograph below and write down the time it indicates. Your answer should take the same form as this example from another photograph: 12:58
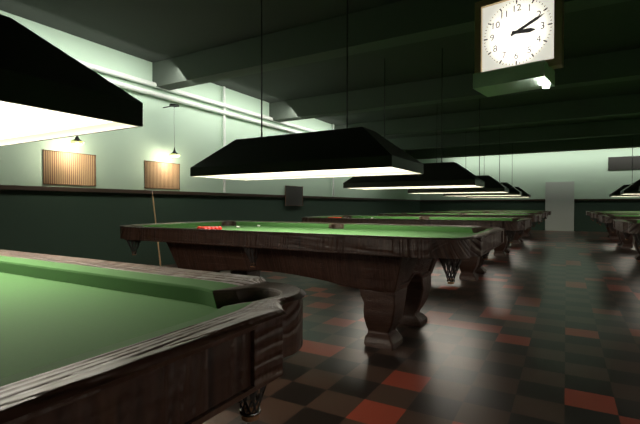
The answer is 3:11
